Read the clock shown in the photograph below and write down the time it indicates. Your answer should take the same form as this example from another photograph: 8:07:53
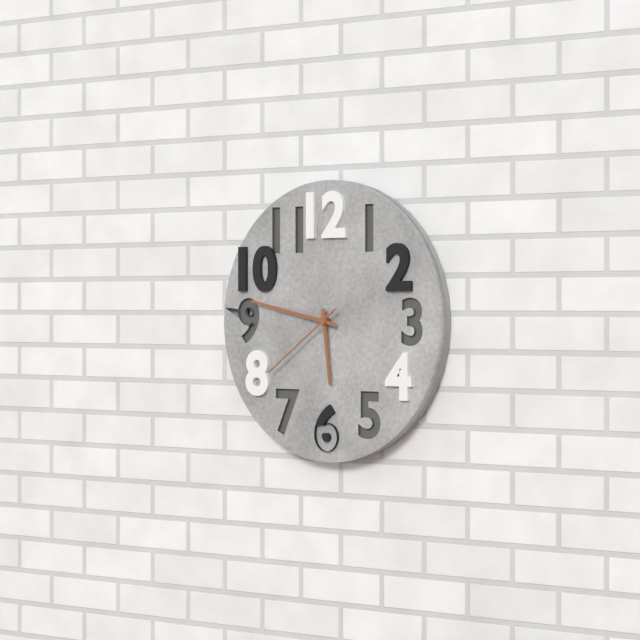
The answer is 5:47:39
